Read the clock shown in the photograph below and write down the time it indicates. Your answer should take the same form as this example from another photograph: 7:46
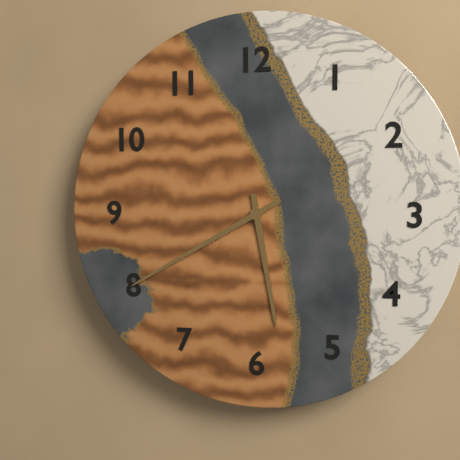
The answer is 5:40
